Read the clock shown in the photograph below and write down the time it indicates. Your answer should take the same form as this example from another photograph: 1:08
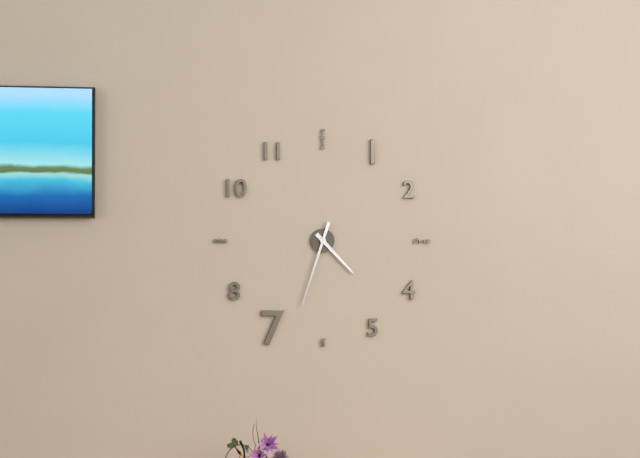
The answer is 4:33
